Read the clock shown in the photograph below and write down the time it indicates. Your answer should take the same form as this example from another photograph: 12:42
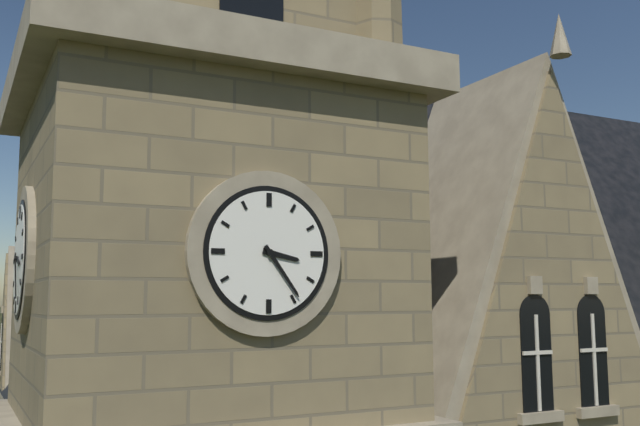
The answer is 3:24
